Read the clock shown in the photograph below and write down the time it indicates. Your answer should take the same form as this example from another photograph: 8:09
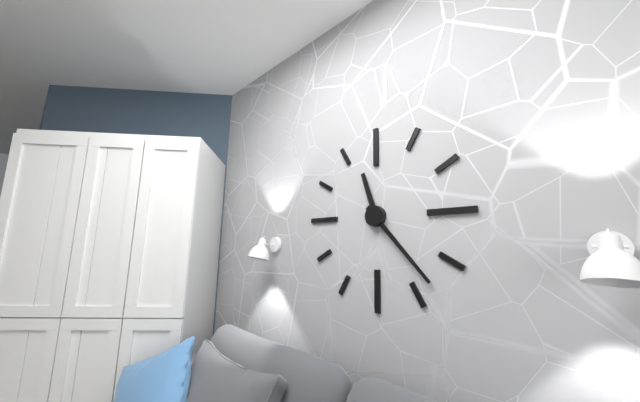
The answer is 11:23
